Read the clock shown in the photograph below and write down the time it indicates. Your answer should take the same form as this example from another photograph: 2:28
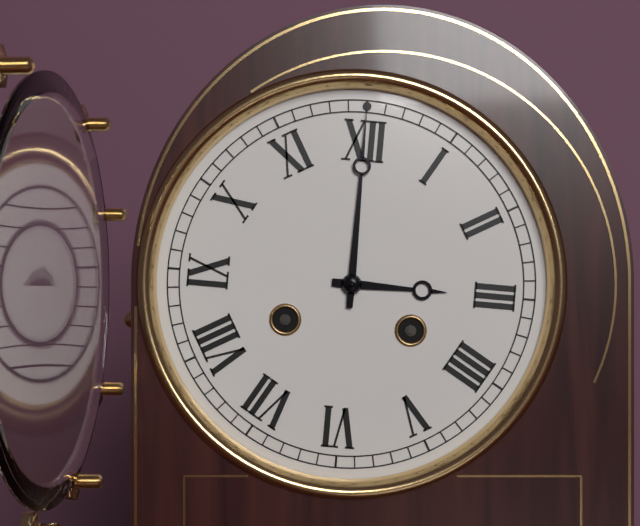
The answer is 3:00
